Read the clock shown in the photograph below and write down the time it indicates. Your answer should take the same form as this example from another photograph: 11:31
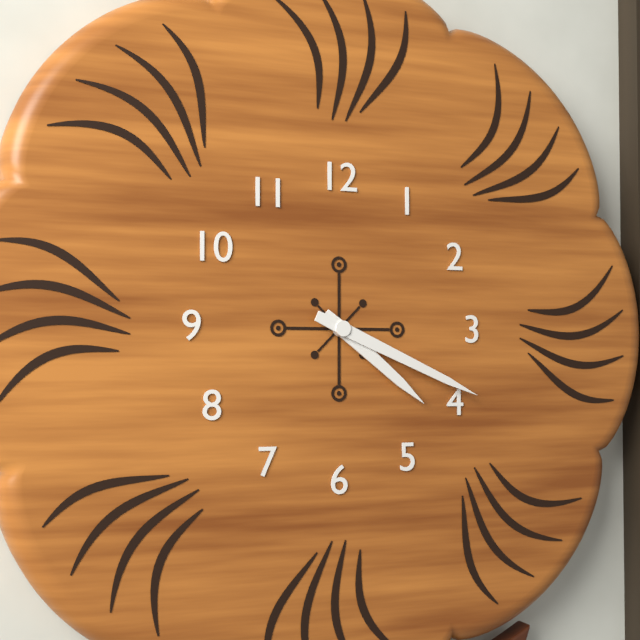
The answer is 4:19
